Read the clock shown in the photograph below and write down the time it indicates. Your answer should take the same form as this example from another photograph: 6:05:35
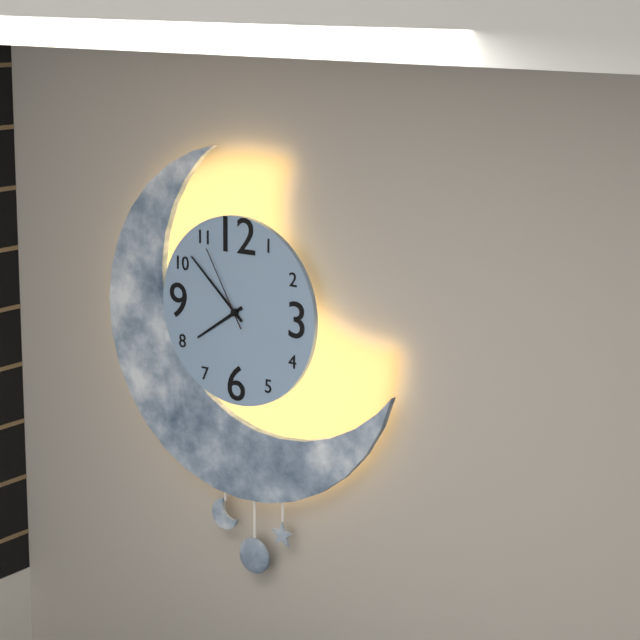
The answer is 7:52:55
